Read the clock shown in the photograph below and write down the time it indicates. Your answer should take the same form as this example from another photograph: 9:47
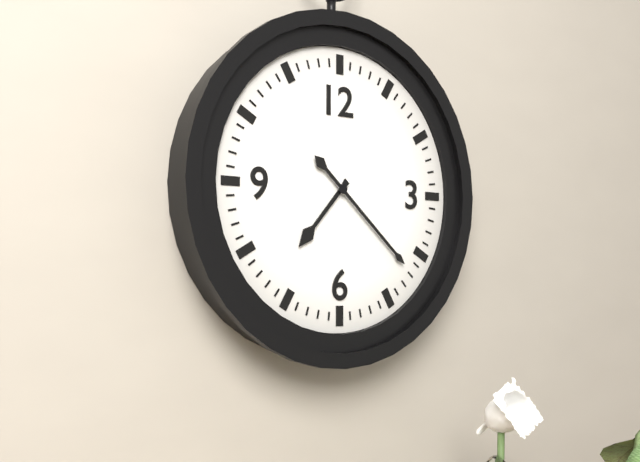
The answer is 7:22
